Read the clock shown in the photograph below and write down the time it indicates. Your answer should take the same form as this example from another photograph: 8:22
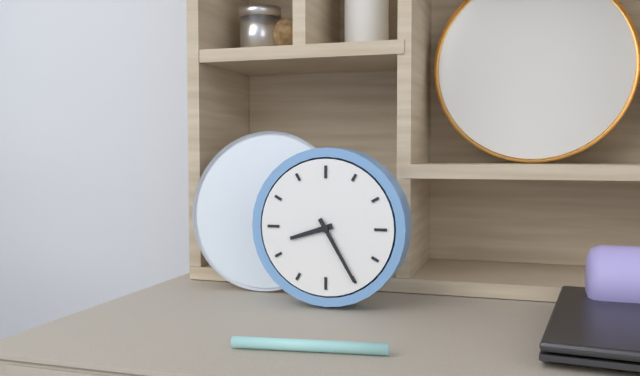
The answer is 8:25
